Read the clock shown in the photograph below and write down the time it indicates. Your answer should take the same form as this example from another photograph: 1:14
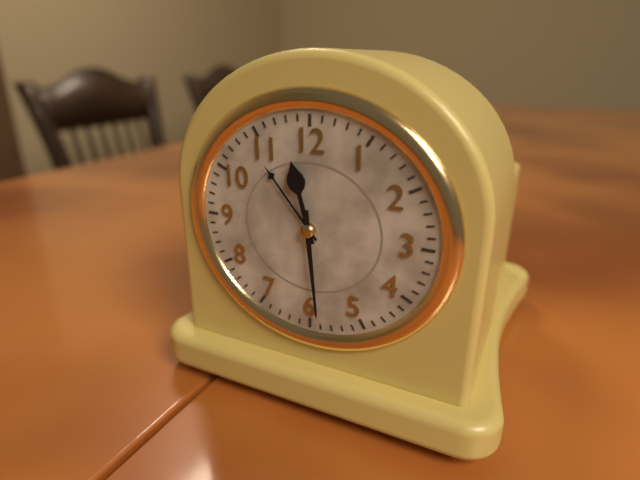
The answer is 11:29
